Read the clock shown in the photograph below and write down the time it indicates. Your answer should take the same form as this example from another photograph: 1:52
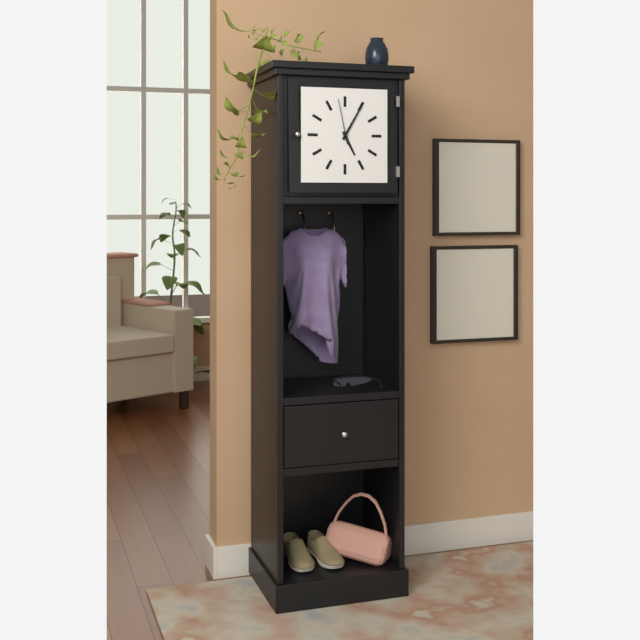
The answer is 5:05
